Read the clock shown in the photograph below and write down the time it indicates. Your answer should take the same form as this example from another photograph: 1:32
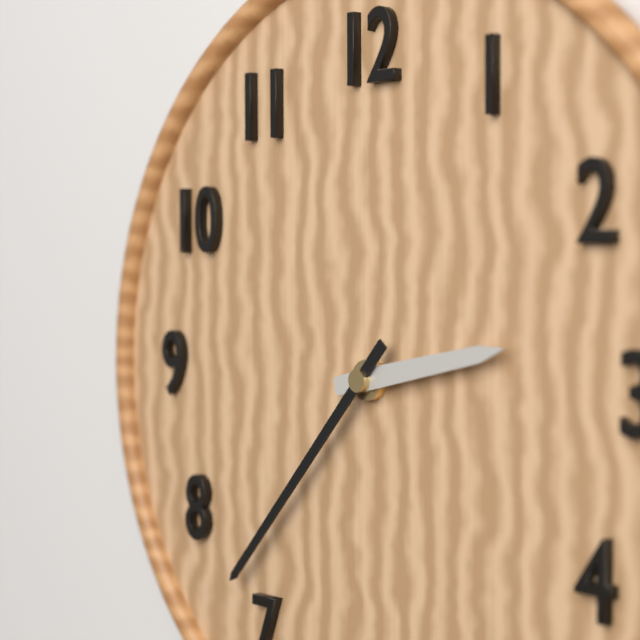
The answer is 2:37
